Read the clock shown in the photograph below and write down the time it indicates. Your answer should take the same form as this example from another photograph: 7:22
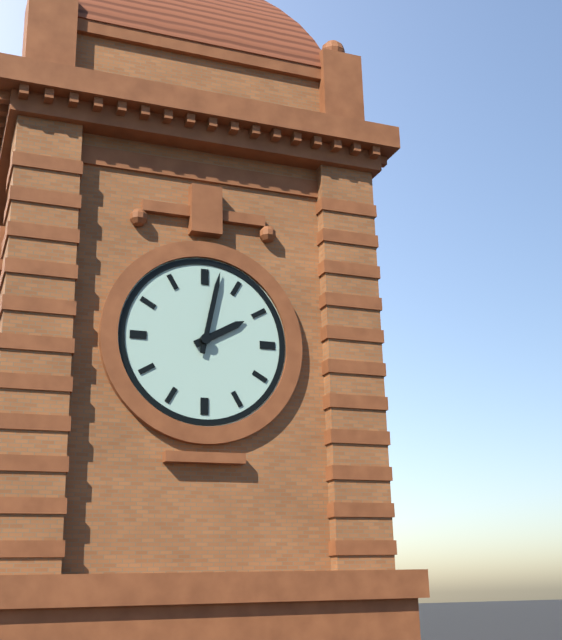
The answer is 2:02
